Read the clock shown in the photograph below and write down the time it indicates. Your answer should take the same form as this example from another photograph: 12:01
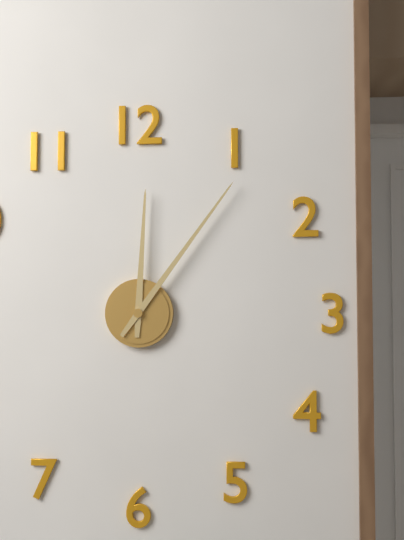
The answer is 12:06
